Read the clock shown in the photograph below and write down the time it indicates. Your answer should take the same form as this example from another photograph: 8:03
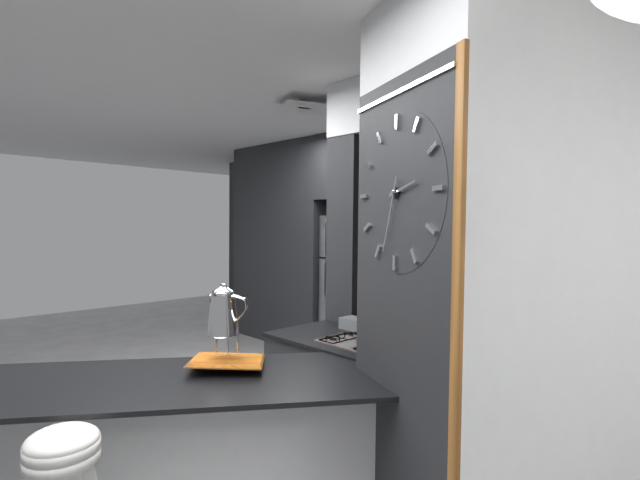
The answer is 2:33
